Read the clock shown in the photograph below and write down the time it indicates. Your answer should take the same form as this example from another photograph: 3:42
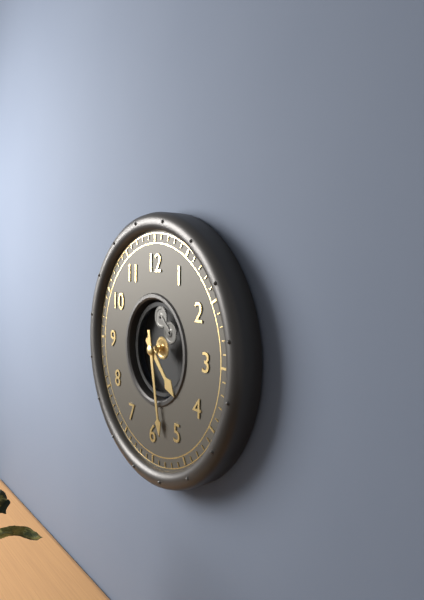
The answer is 4:28
